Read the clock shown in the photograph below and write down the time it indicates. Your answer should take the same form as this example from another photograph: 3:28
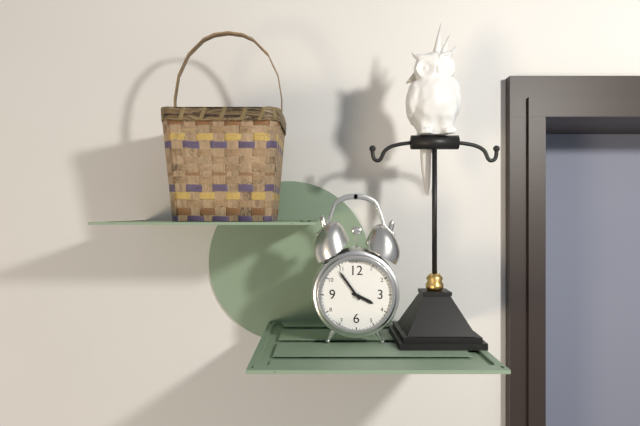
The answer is 3:54
